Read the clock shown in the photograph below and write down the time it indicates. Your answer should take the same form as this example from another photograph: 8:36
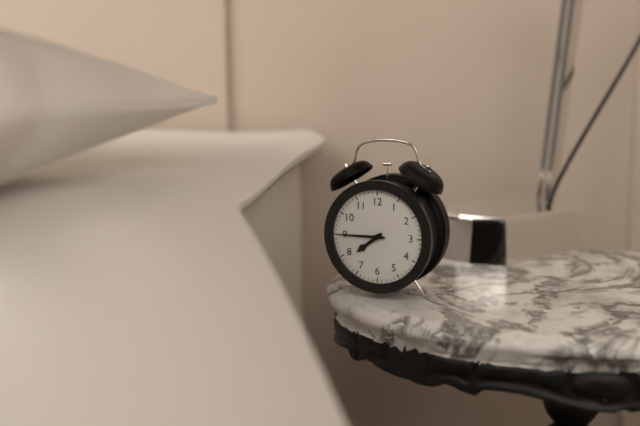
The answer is 7:45
